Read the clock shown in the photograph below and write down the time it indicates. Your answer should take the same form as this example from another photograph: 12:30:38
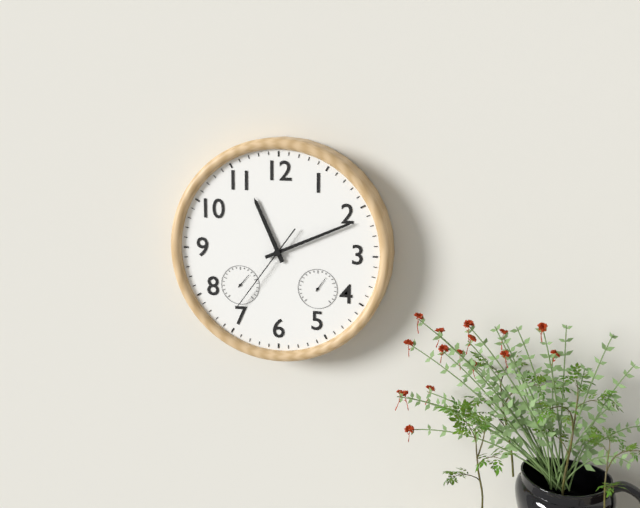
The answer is 11:11:36
